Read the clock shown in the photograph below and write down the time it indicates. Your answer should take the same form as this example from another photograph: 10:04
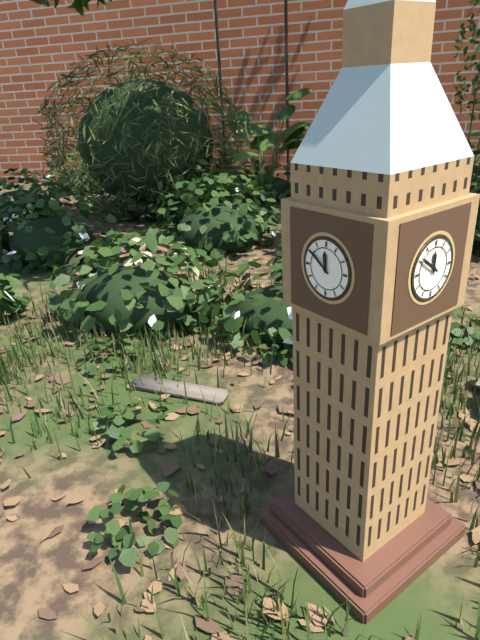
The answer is 11:51
